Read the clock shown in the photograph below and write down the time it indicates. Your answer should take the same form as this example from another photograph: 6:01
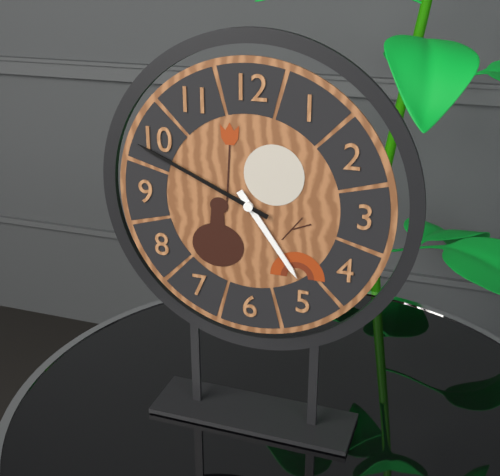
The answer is 4:49
